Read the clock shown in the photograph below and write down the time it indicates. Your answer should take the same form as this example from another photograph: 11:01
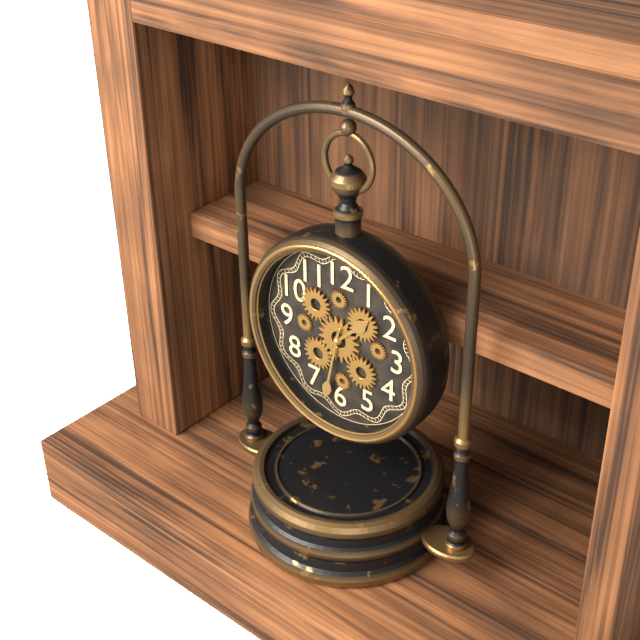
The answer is 1:32
